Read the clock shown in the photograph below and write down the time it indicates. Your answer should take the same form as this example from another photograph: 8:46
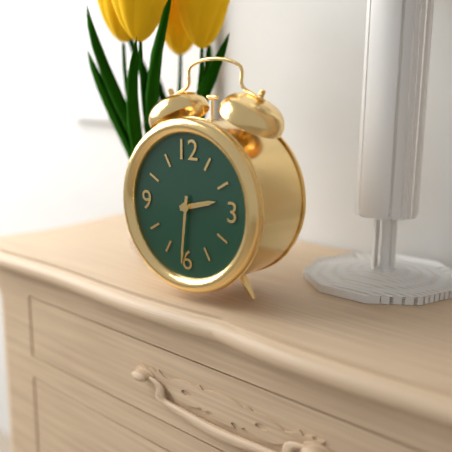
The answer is 2:31
